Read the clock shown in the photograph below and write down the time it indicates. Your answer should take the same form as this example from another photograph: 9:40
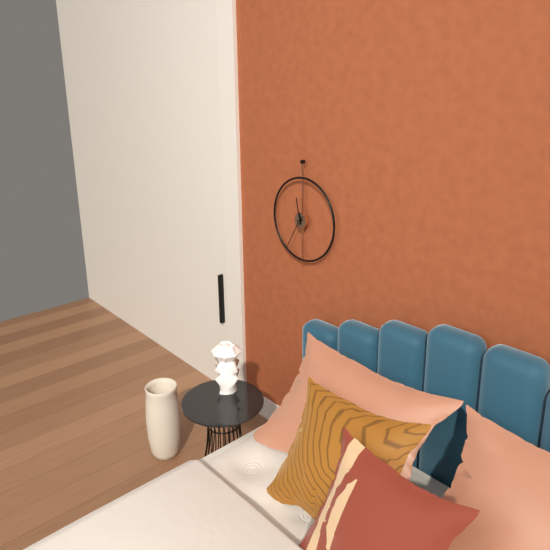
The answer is 11:35
